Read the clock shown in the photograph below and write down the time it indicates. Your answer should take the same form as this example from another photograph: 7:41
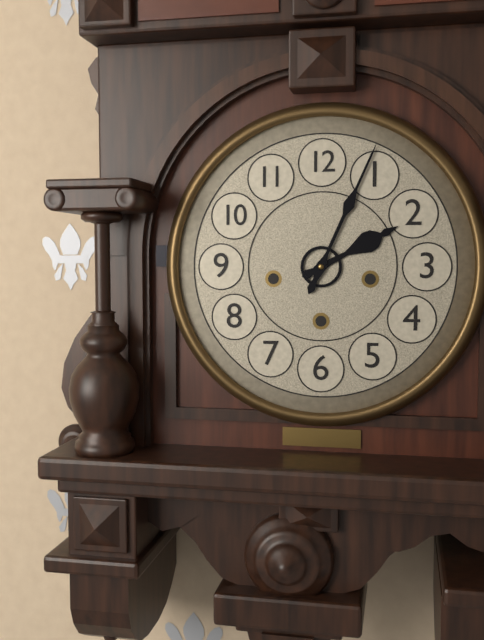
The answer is 2:04
